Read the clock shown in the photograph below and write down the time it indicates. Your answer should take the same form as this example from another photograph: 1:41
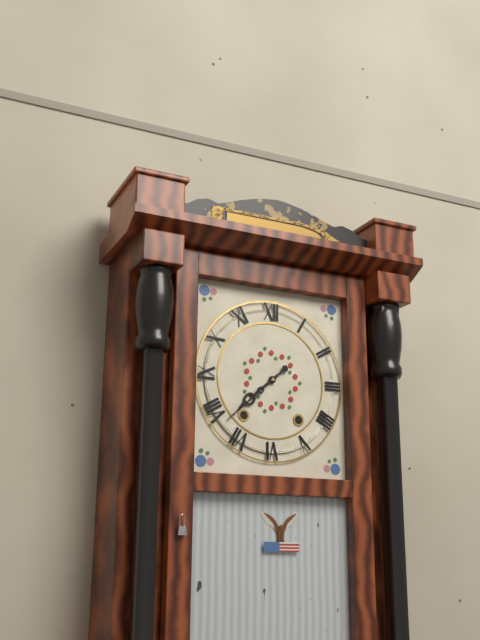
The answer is 7:38
